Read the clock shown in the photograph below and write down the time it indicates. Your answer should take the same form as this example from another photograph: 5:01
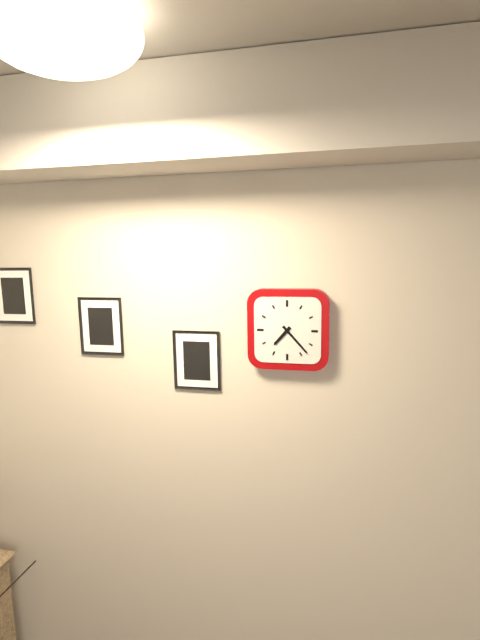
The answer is 7:23
